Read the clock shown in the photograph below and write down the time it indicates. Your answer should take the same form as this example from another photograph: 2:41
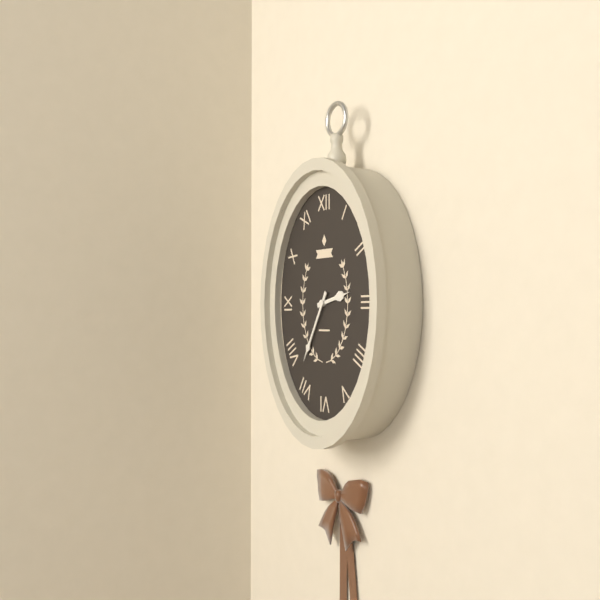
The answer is 2:35
